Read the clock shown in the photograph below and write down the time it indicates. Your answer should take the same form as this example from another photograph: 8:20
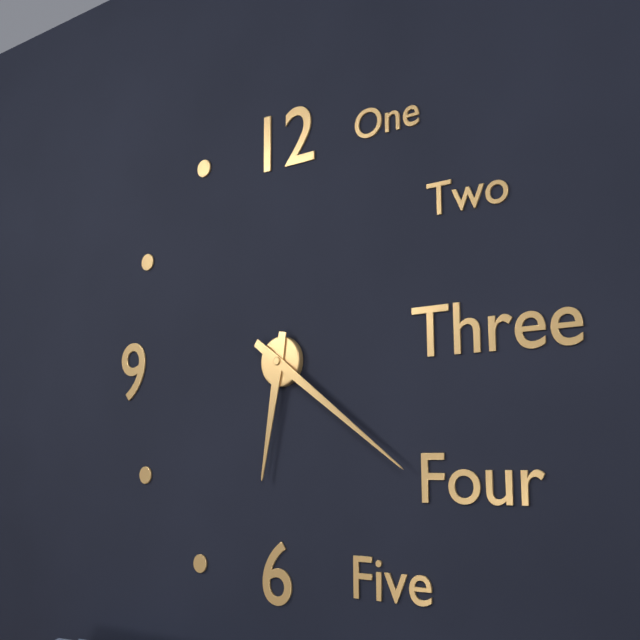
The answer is 6:21
